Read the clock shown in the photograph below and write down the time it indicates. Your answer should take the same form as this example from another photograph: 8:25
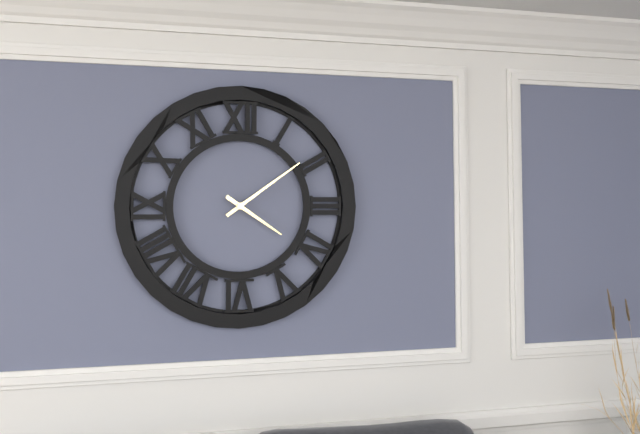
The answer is 4:09
